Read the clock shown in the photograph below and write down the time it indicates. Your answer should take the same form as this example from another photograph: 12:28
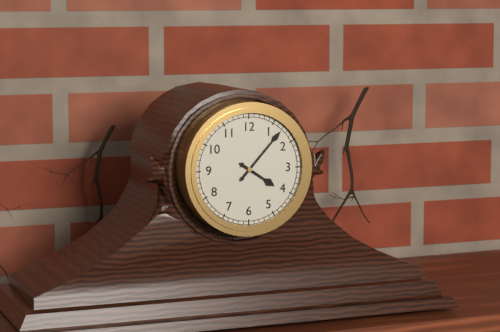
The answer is 4:07
